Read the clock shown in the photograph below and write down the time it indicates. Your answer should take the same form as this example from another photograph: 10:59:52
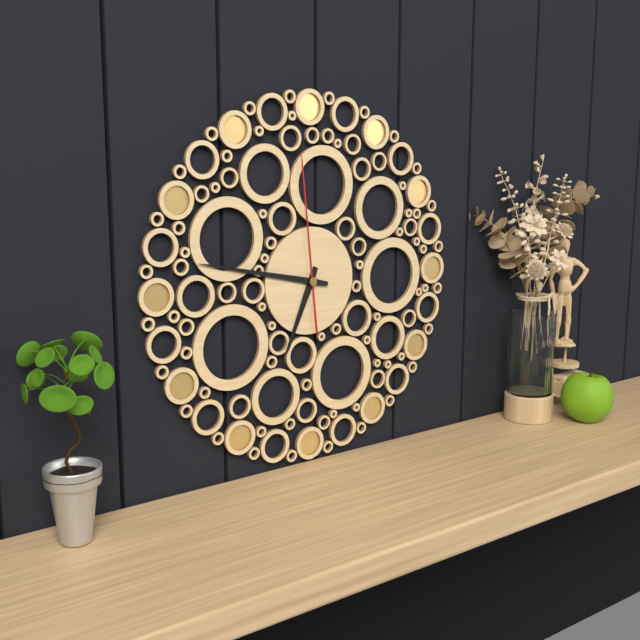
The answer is 6:47:59
